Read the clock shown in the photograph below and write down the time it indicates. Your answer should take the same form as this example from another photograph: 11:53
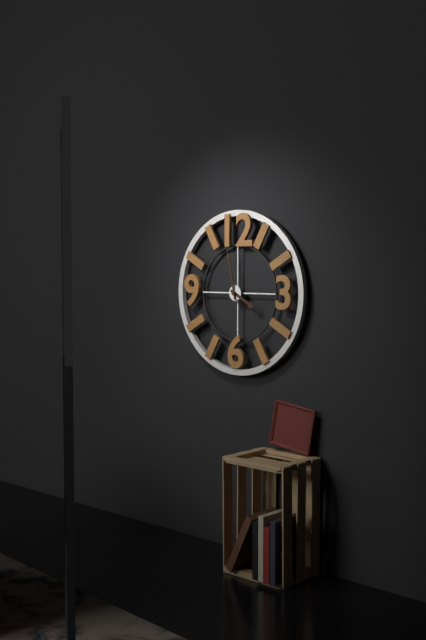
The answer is 3:58
